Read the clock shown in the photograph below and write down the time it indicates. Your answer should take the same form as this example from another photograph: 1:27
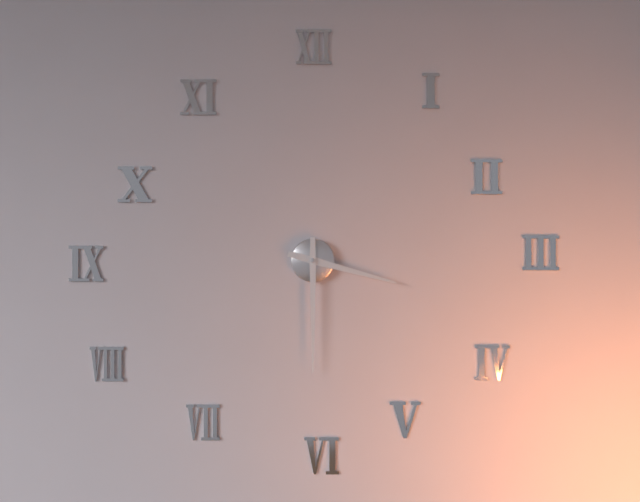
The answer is 3:30
